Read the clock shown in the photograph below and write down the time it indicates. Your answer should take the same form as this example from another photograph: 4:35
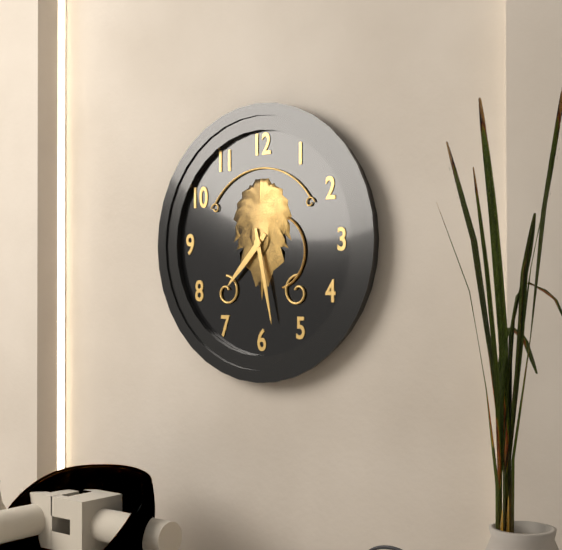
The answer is 7:28
